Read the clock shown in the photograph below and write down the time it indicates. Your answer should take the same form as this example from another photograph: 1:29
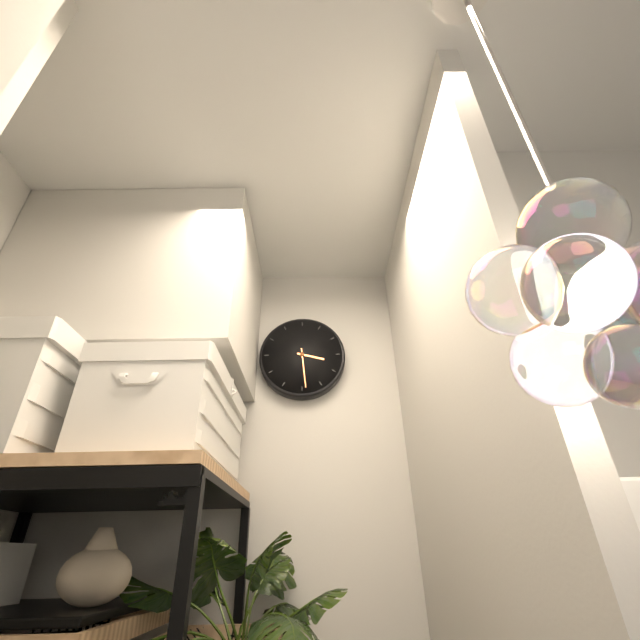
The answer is 3:29
